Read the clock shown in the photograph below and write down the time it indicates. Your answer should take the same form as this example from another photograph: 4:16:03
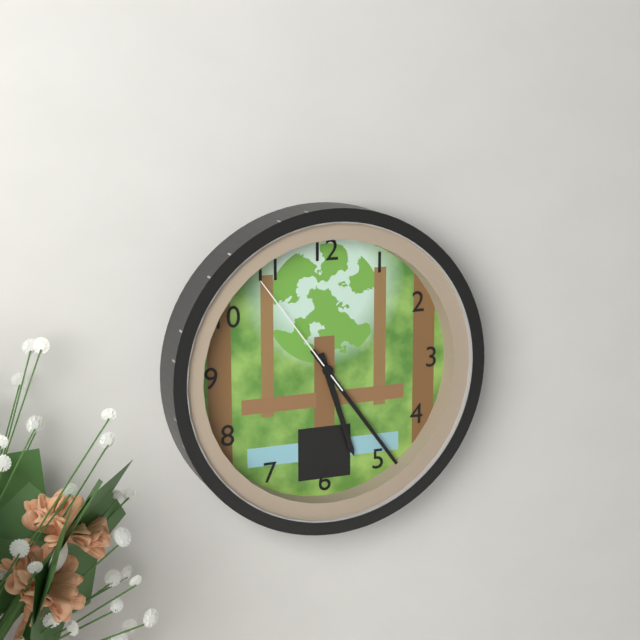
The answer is 5:24:54
